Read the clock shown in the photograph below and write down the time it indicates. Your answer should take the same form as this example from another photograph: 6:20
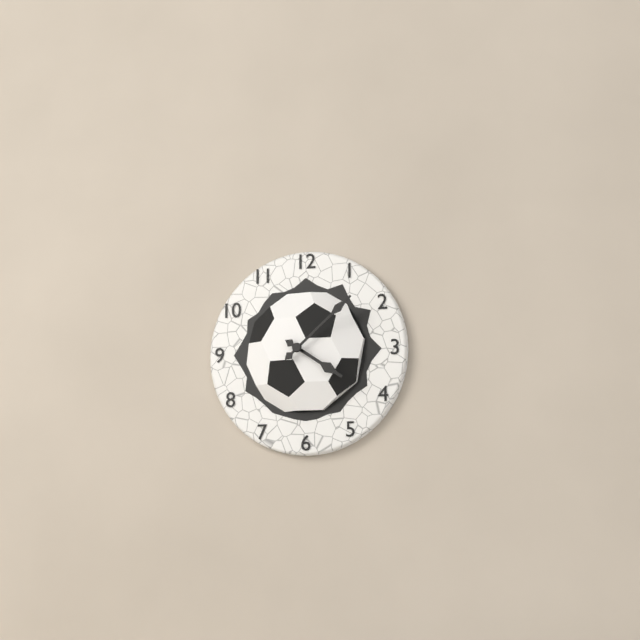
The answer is 4:08
